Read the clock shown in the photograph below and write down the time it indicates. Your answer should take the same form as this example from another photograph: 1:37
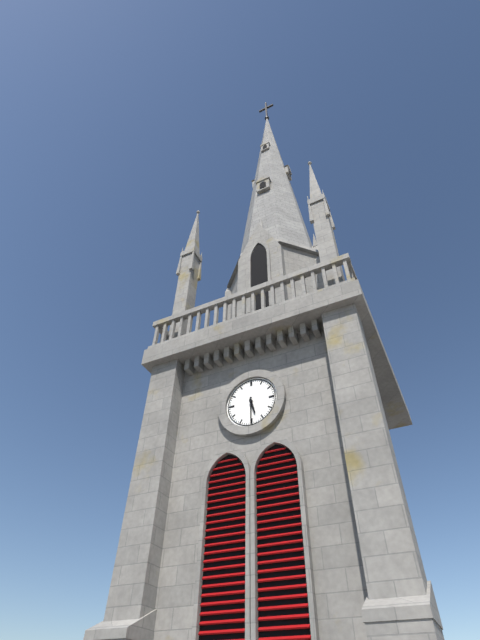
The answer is 5:30
